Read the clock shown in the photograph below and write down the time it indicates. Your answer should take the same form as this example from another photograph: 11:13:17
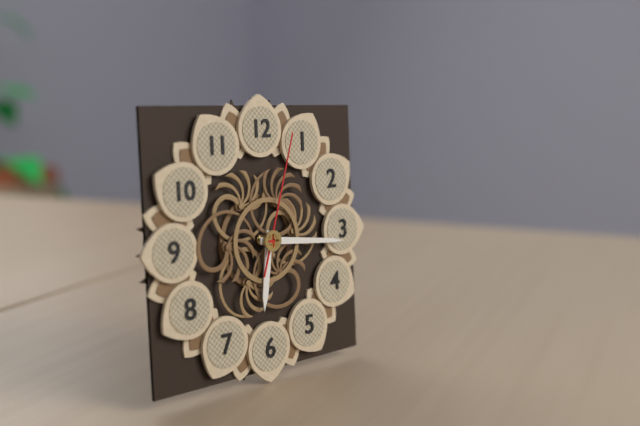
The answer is 6:16:03
